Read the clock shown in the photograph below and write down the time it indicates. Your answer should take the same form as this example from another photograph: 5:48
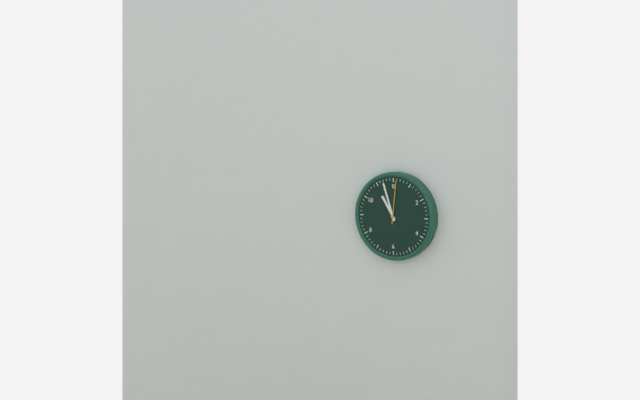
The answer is 10:57
